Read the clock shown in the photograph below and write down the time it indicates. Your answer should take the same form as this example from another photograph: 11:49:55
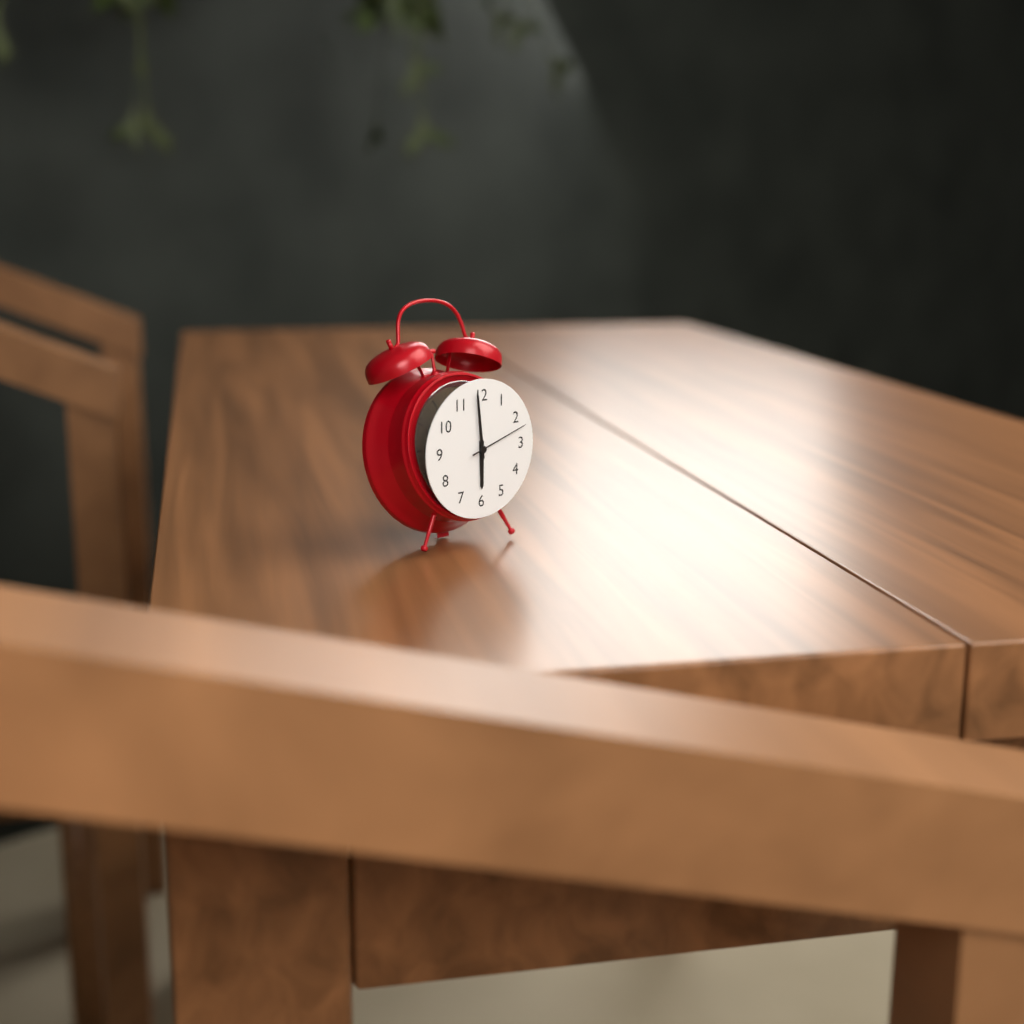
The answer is 5:59:12
